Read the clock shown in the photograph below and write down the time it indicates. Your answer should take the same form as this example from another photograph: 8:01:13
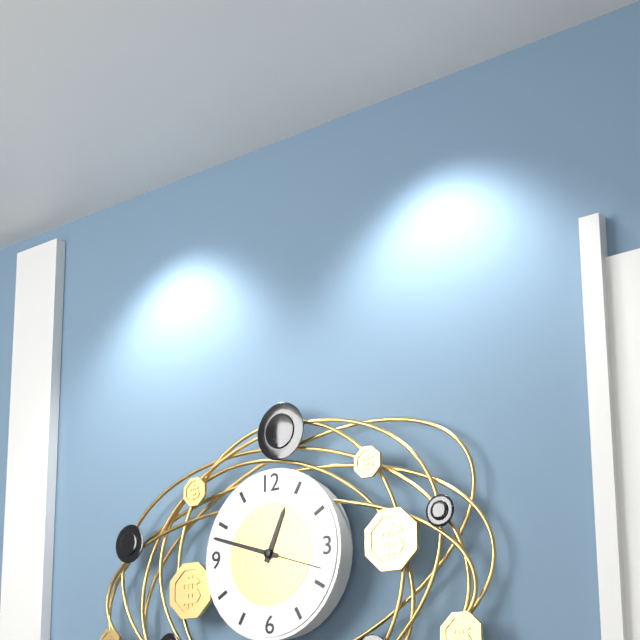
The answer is 12:48:18
